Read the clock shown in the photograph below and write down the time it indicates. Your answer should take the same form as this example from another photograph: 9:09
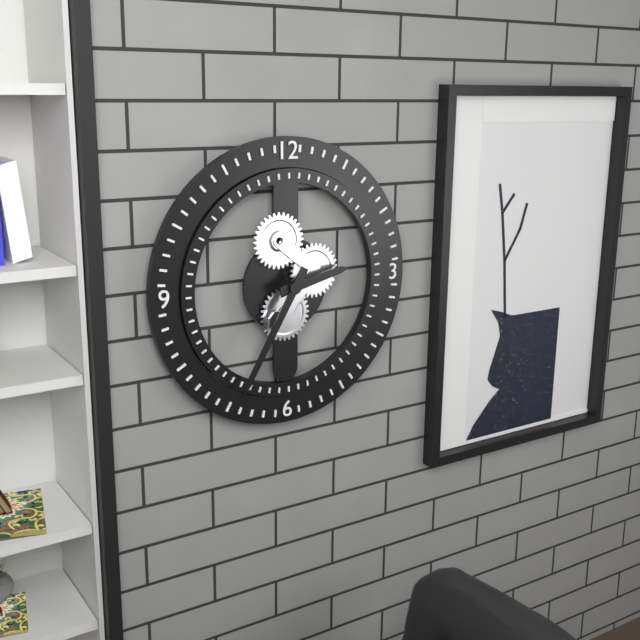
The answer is 2:35
